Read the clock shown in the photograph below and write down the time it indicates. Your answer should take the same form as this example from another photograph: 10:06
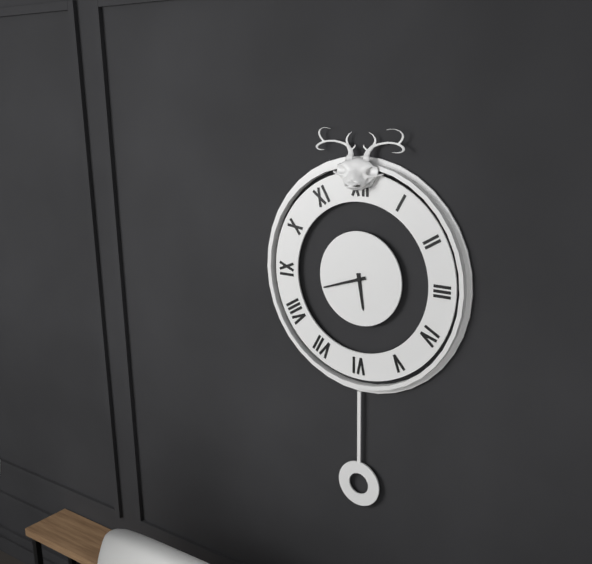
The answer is 5:42
